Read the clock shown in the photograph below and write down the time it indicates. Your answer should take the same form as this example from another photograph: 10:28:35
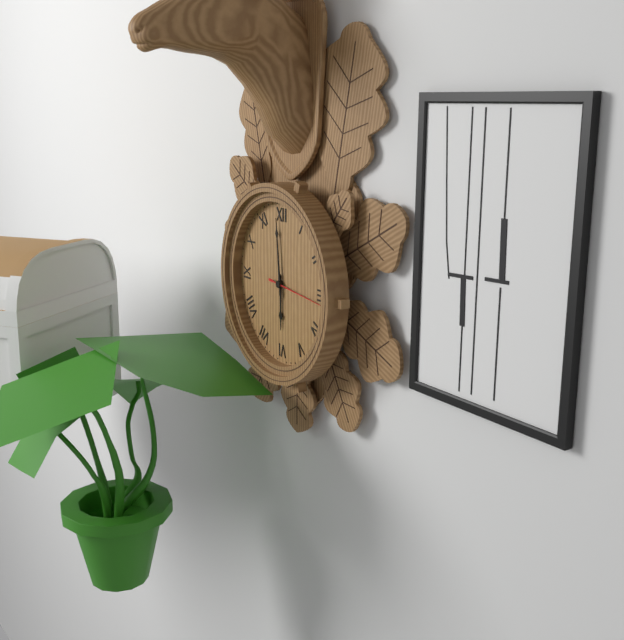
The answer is 5:59:16
